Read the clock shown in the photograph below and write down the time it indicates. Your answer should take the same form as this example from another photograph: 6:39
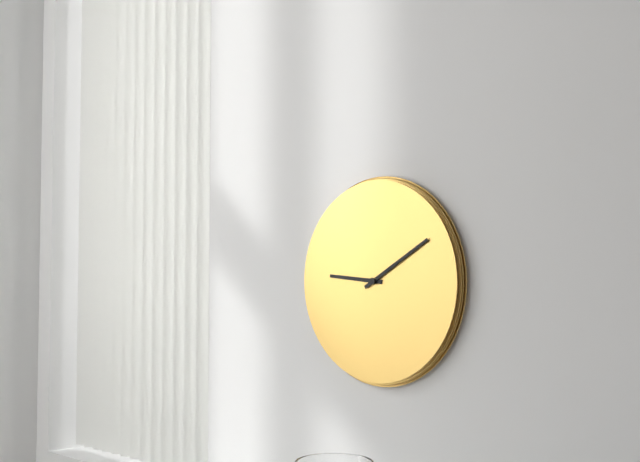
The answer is 9:10
